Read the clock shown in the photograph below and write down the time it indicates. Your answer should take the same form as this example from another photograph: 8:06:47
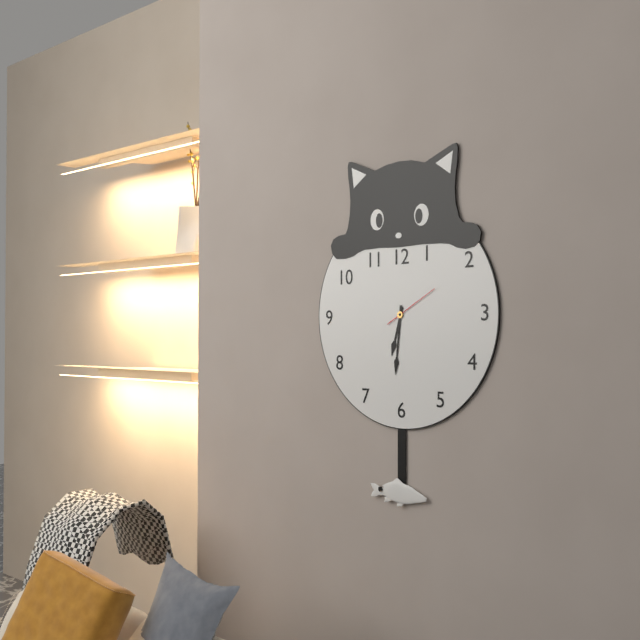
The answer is 6:31:10
